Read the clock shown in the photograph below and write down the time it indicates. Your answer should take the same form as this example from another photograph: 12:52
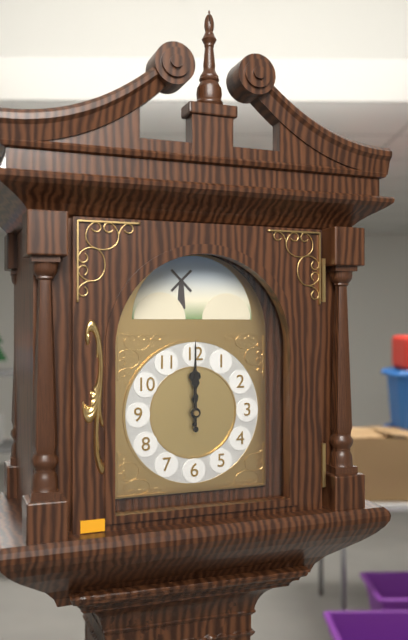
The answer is 12:00
